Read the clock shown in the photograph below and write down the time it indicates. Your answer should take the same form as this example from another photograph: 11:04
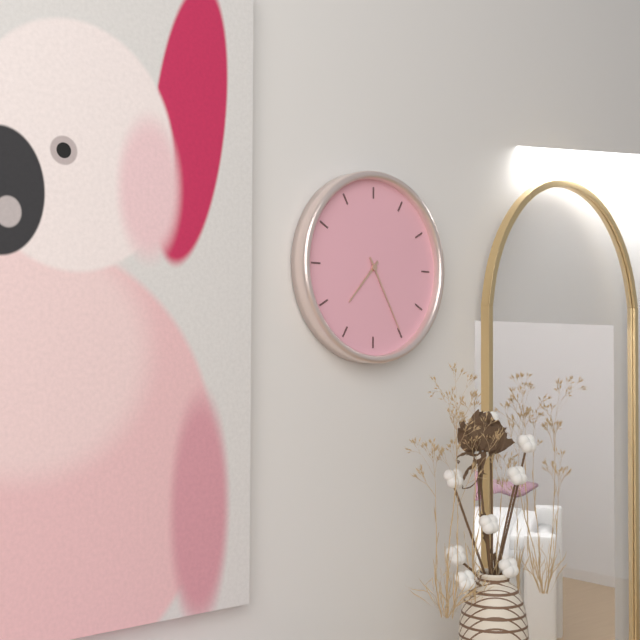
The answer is 7:25
